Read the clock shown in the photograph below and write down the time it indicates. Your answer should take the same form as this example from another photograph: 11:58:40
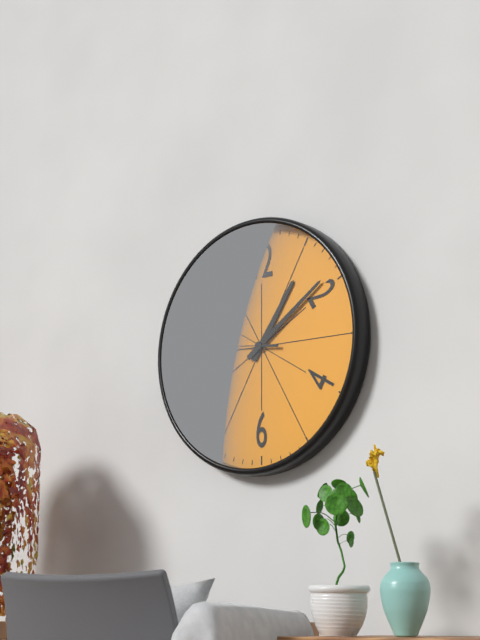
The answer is 1:09:46
